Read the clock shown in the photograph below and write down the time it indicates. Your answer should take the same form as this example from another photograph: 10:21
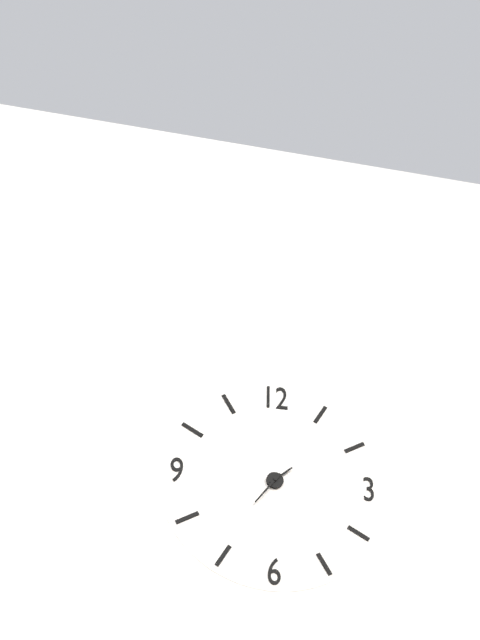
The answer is 1:36
